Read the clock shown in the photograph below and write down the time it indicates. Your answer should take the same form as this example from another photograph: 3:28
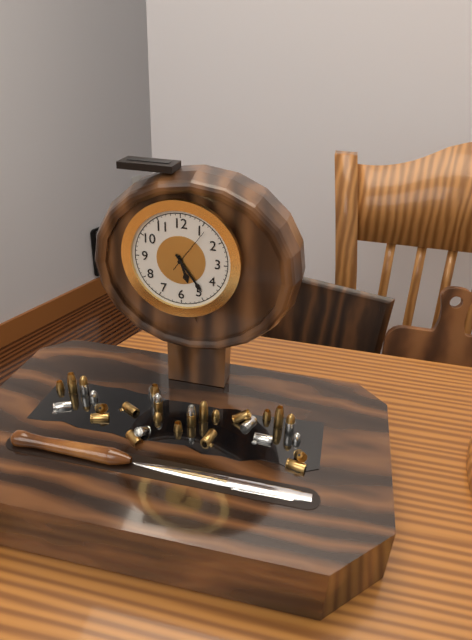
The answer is 5:24
